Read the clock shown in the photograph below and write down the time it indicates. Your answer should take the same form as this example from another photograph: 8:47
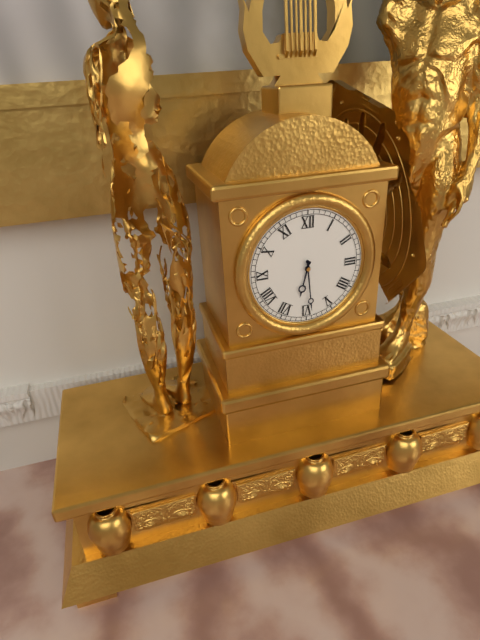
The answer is 6:29
